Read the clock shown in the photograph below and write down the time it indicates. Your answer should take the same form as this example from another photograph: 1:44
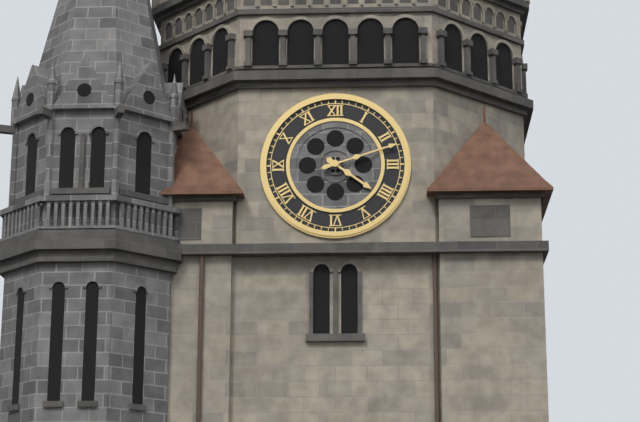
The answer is 4:12
